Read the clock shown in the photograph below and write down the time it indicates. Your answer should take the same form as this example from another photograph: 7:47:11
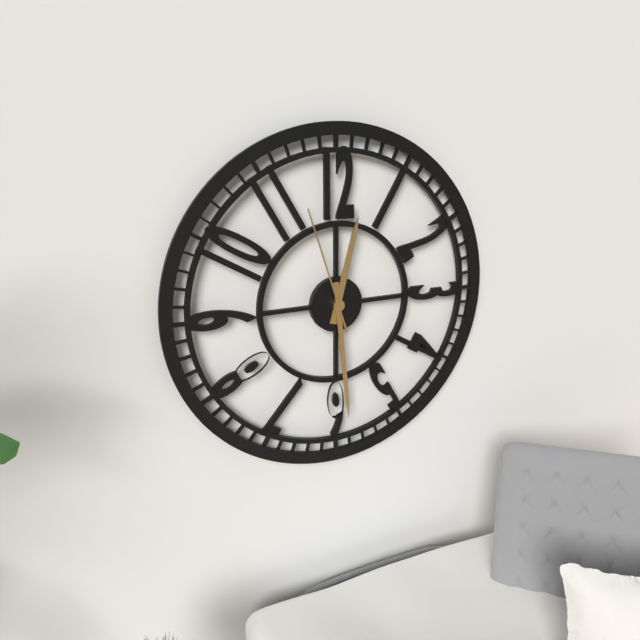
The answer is 12:29:57
